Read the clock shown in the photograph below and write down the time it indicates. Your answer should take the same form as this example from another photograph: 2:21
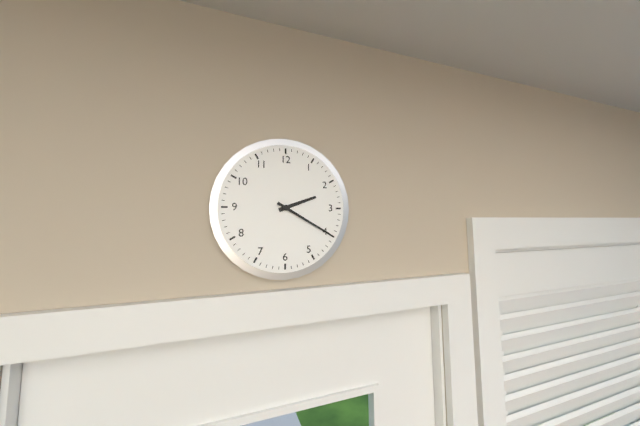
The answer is 2:20
